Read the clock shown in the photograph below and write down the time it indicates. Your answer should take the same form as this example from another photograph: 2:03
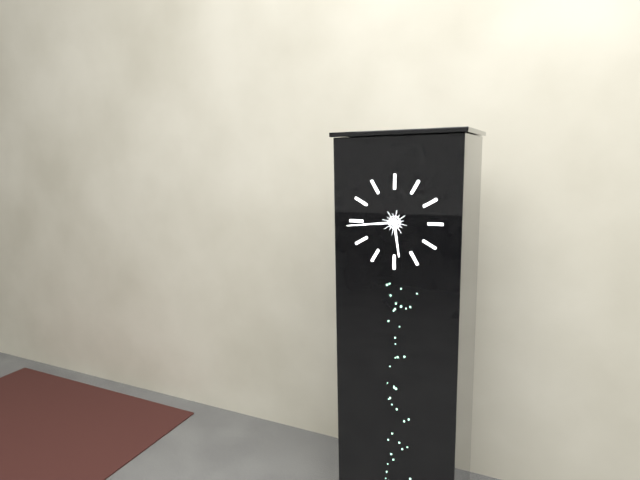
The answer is 5:44
